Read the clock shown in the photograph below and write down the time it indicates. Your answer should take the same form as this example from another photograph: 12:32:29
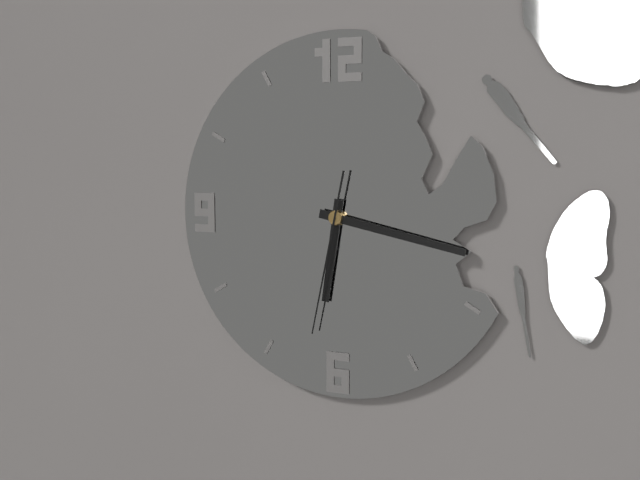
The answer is 6:17:32
